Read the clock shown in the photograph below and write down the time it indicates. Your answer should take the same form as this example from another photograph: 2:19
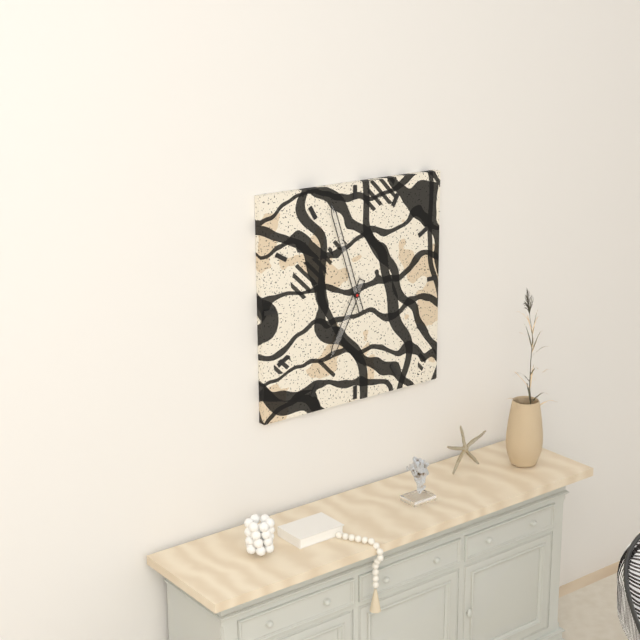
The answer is 6:57
